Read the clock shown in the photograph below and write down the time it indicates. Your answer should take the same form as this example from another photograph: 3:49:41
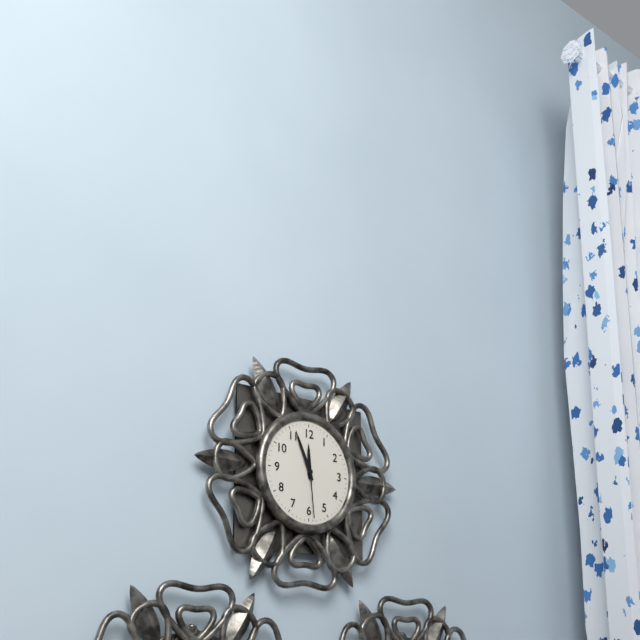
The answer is 11:56:29
